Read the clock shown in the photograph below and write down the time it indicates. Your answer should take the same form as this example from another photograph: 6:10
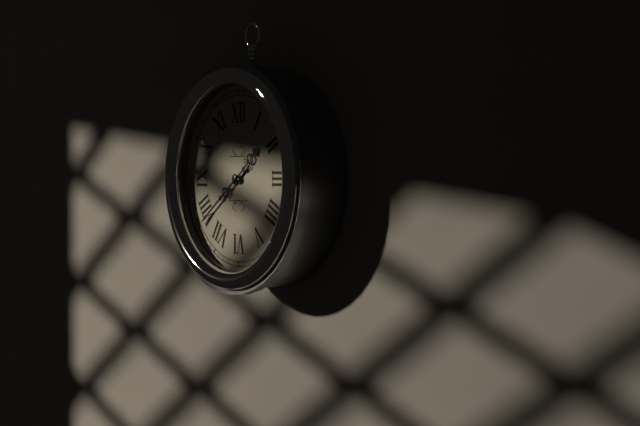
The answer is 1:39
